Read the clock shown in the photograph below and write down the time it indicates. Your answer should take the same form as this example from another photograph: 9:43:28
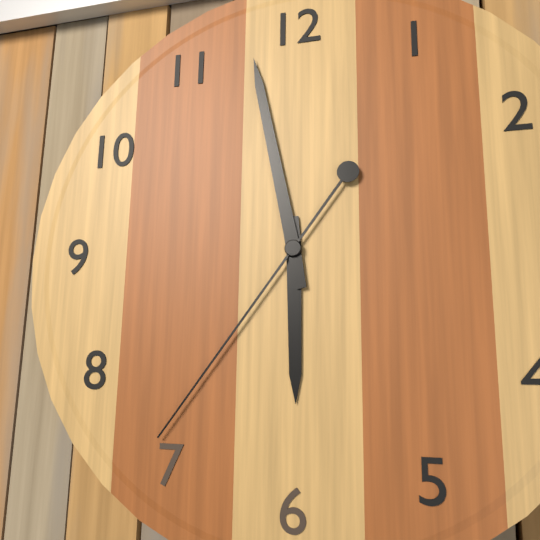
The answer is 5:58:36
